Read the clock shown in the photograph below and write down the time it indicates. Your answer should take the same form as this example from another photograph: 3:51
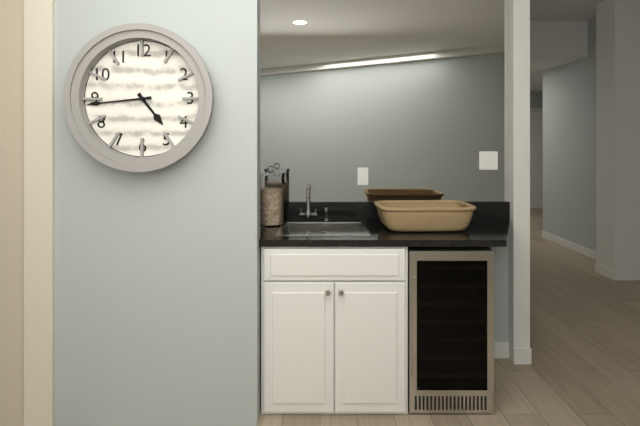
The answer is 4:44
